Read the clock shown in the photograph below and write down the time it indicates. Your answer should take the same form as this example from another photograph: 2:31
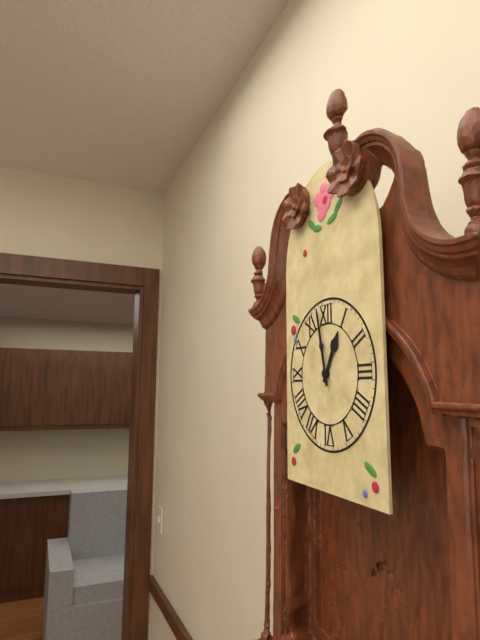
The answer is 12:58
